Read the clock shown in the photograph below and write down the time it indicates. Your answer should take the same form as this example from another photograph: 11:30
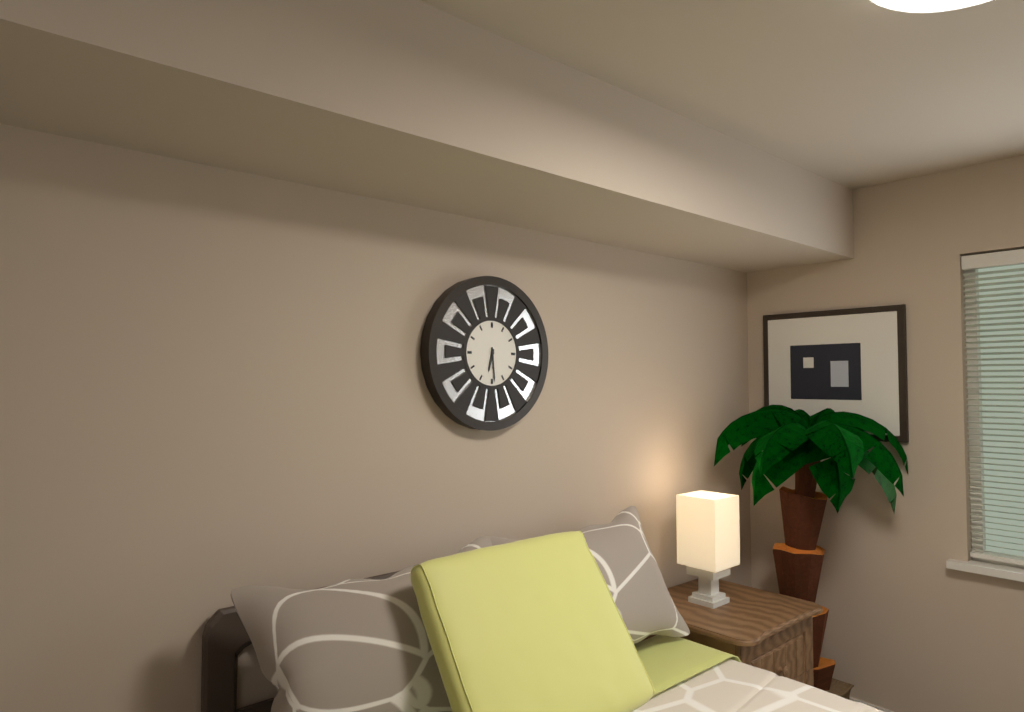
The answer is 6:29
